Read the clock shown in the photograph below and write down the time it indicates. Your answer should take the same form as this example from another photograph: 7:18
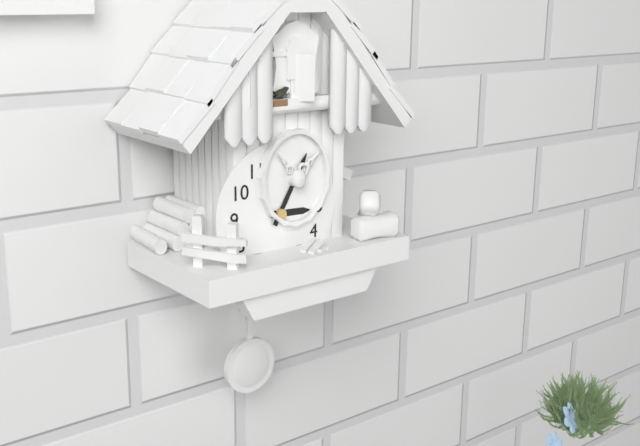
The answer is 3:05
